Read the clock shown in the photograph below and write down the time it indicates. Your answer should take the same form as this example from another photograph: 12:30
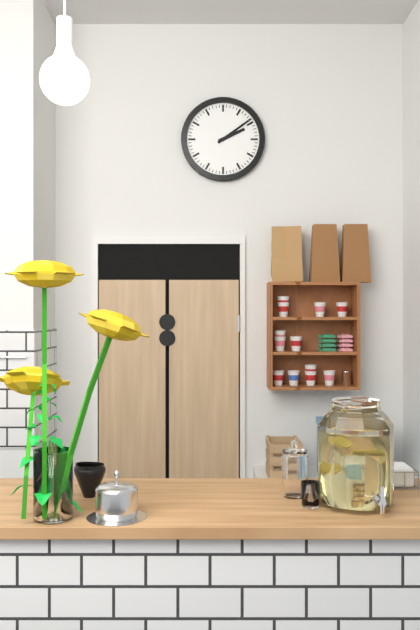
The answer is 2:09
